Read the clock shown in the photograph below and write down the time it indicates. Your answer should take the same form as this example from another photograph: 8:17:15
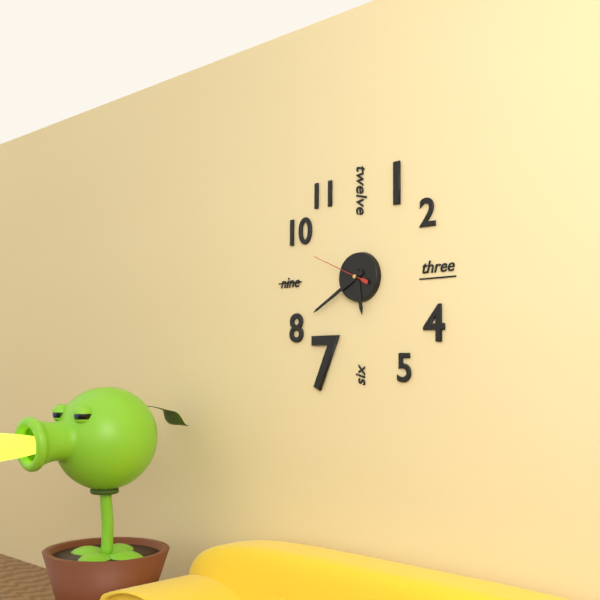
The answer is 5:40:49
